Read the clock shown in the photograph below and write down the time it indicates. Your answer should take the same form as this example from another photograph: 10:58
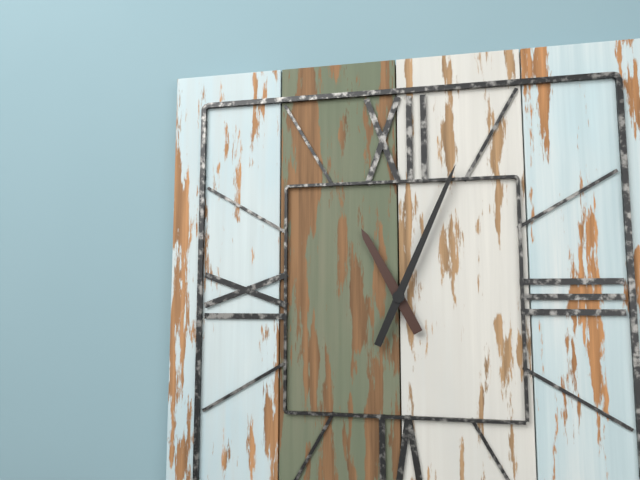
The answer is 11:04
